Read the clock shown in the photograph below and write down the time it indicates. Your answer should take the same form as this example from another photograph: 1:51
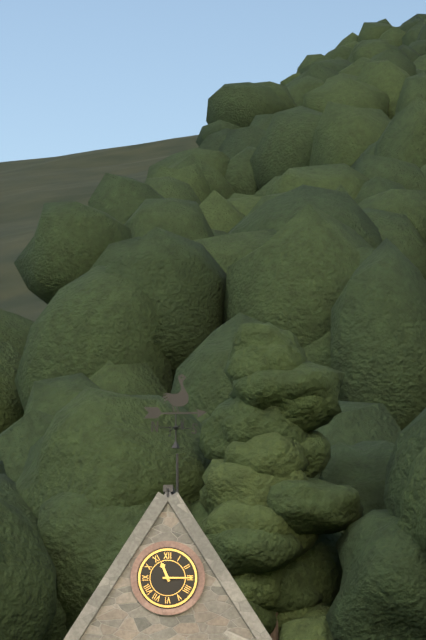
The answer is 11:15
